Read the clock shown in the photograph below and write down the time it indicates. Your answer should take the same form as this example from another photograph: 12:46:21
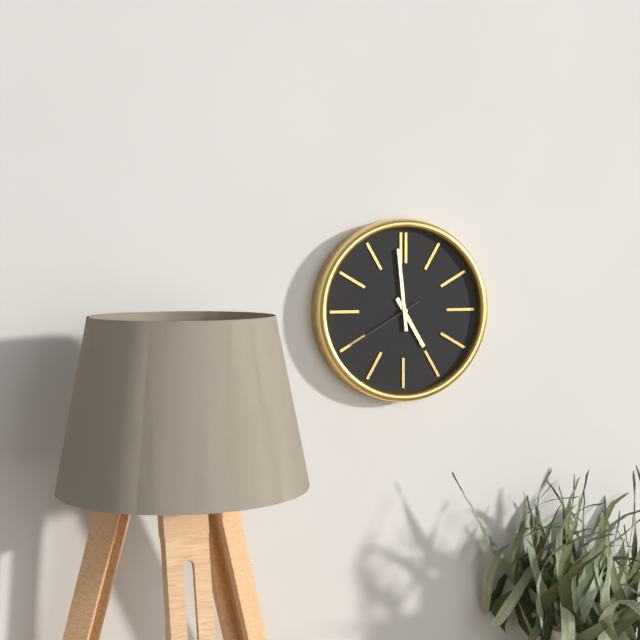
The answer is 4:59:40
